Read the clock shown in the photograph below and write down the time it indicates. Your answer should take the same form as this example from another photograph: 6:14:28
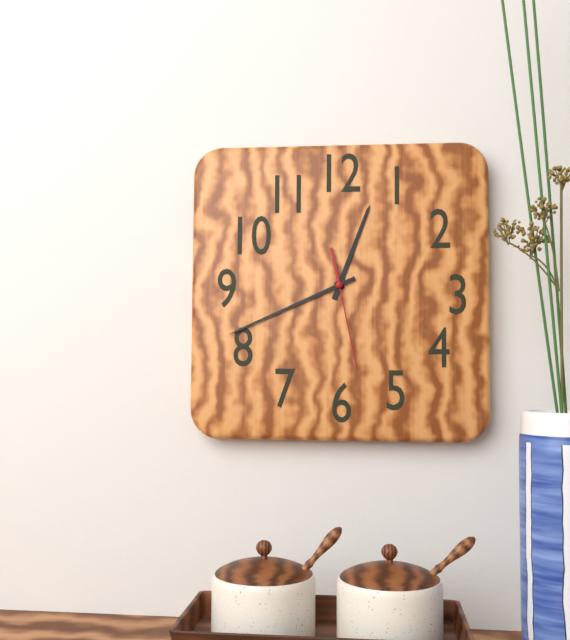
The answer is 12:41:28
